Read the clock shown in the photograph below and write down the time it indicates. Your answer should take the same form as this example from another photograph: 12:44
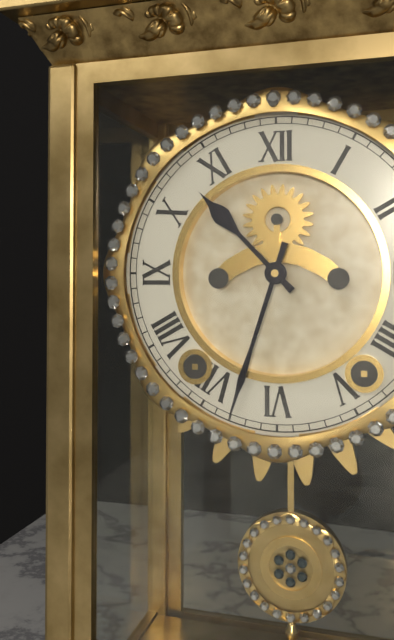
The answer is 10:33
